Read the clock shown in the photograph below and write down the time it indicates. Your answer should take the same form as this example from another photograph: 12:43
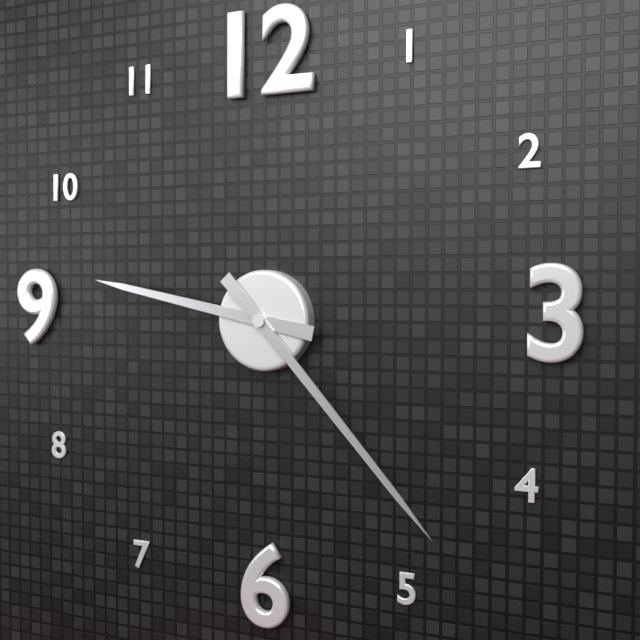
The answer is 9:23
